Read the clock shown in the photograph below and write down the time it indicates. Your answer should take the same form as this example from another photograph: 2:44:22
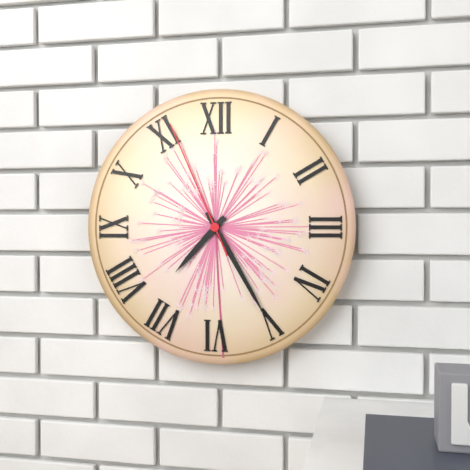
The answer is 7:25:56
